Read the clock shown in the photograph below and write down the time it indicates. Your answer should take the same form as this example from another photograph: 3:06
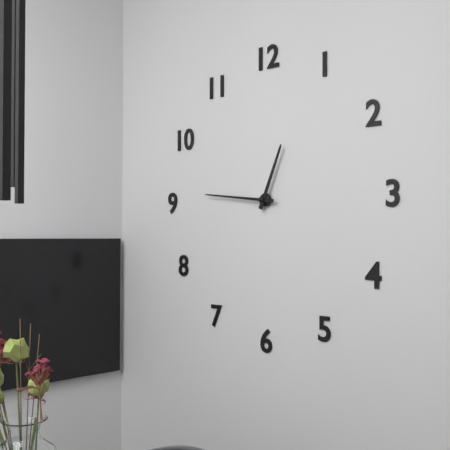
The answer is 12:46
